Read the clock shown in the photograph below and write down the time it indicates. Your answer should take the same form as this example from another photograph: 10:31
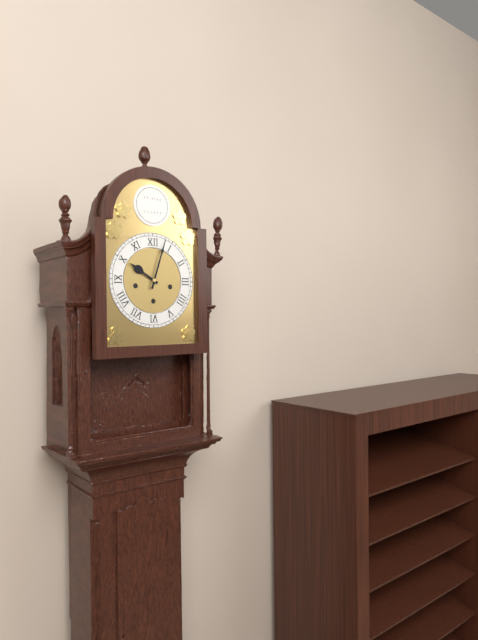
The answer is 10:03
